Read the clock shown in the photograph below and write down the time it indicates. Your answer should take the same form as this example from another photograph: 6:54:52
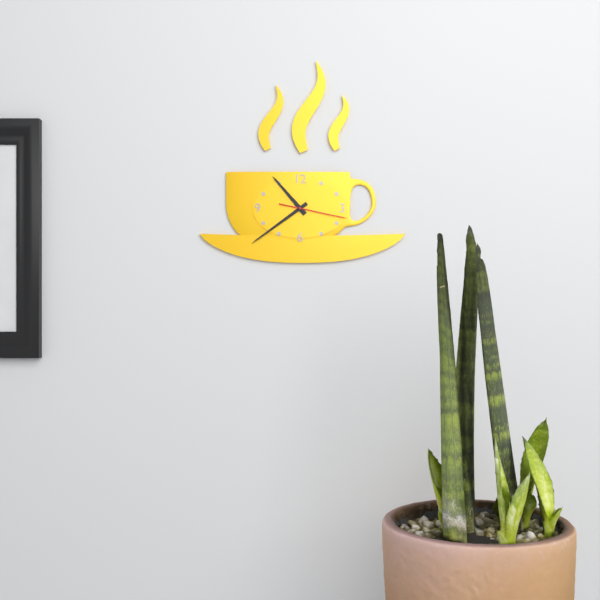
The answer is 10:39:17
